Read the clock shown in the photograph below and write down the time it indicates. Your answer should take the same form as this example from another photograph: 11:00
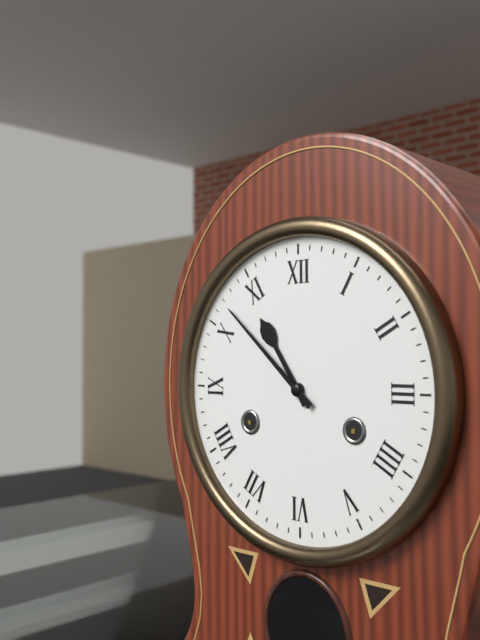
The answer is 10:52
